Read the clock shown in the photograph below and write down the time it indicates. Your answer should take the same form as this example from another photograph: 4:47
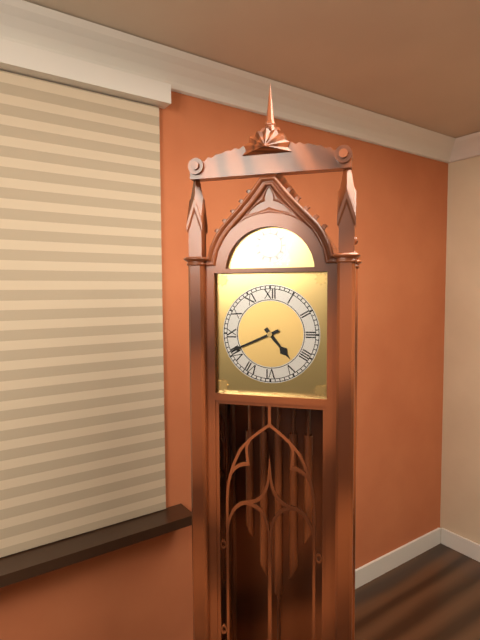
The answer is 4:41
